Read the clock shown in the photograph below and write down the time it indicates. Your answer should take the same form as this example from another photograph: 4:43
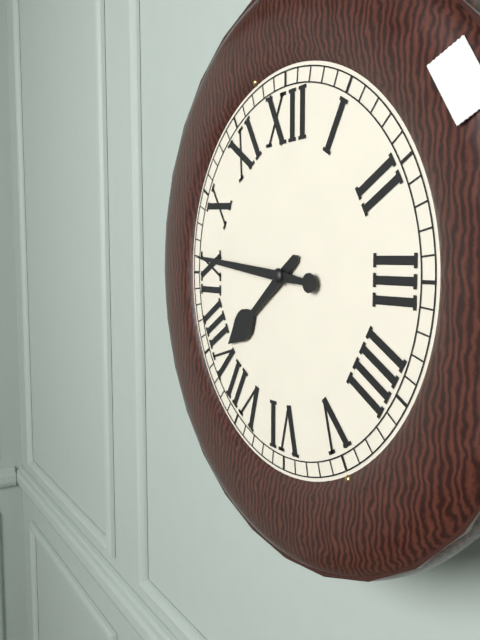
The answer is 7:46
